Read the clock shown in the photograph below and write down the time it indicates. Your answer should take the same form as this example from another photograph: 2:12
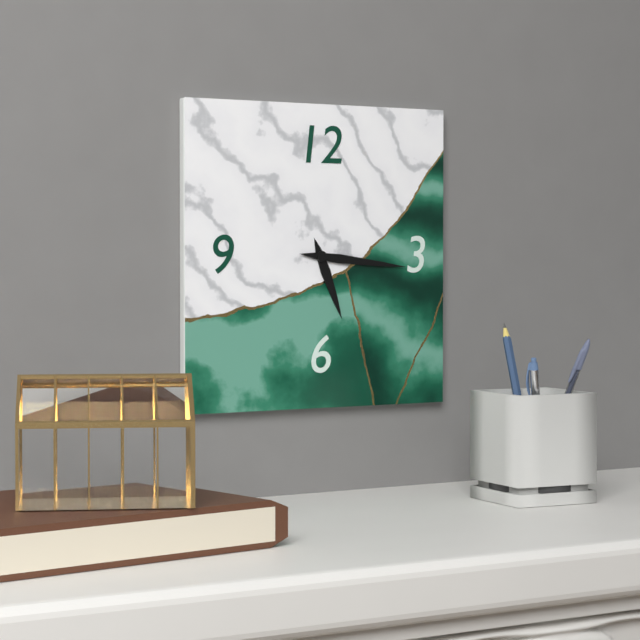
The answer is 5:16
